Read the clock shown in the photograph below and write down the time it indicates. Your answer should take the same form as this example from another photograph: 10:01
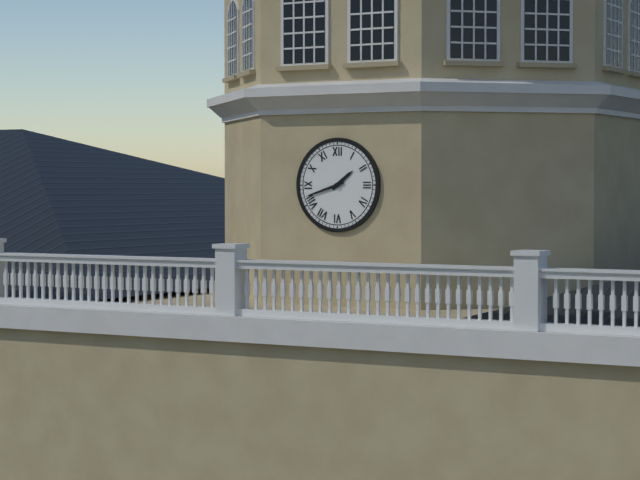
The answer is 1:42
